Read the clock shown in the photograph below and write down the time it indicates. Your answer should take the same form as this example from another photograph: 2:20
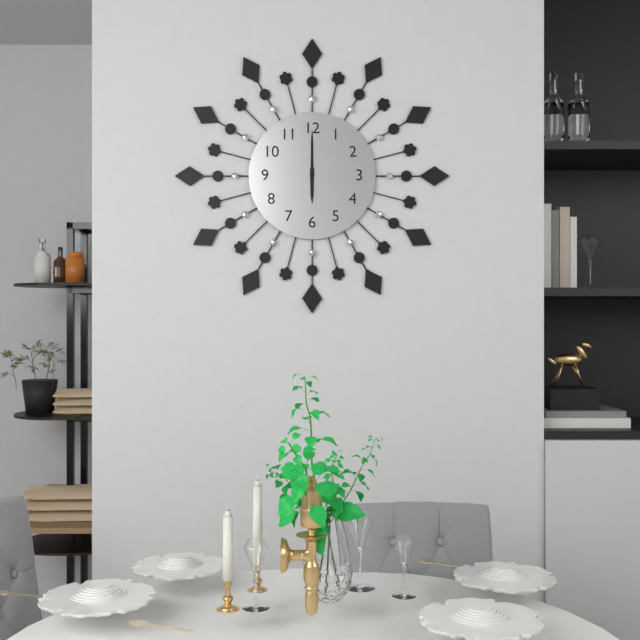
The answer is 6:00
